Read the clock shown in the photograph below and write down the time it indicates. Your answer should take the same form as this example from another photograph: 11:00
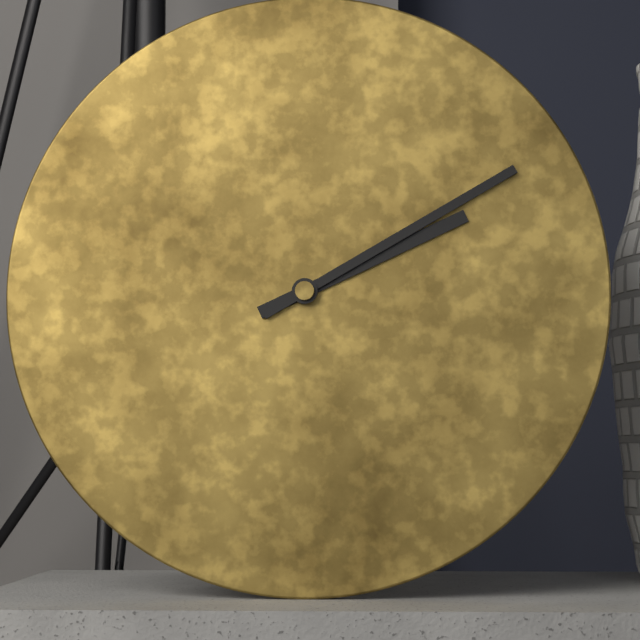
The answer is 2:10
